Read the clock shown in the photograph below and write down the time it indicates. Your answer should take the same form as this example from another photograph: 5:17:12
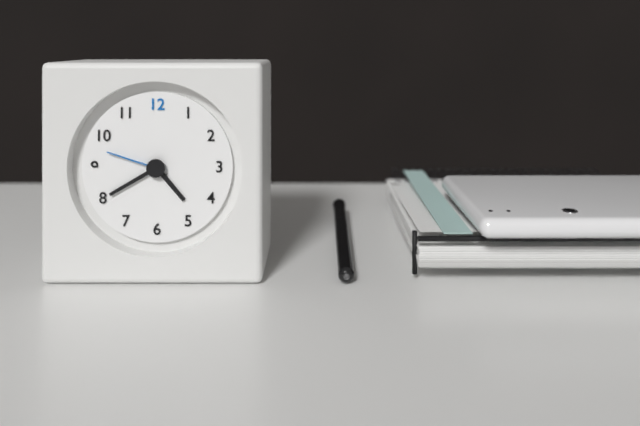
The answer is 4:40:48
